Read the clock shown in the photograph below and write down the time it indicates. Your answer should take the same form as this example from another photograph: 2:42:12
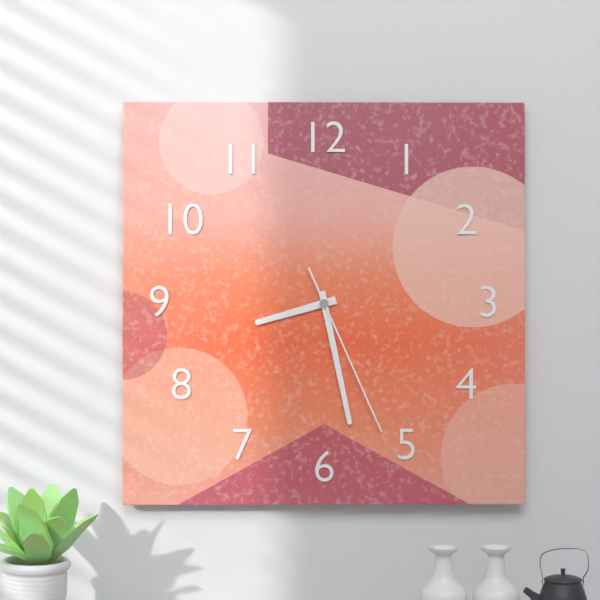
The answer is 8:28:26
